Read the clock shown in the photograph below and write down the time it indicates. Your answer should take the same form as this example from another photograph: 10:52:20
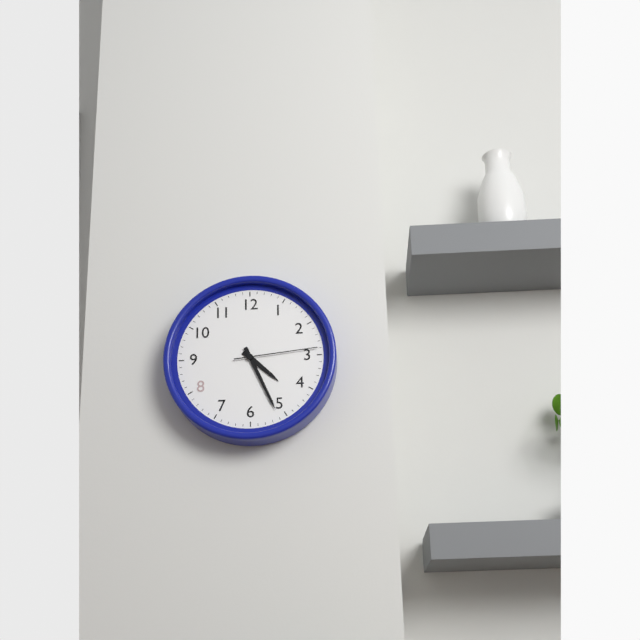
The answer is 4:26:14
